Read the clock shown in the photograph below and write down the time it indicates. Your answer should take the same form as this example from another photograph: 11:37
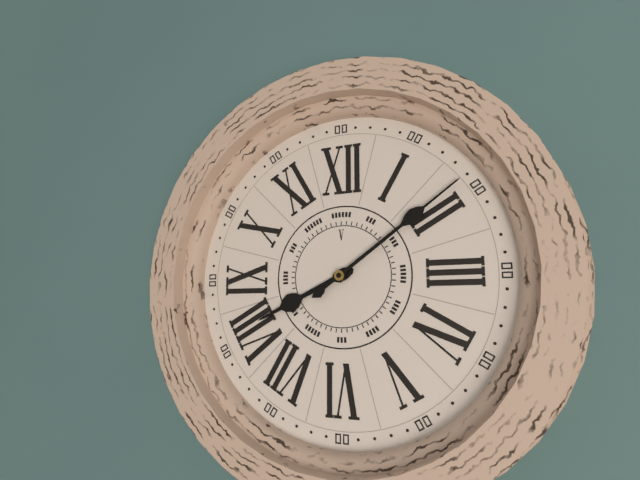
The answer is 8:09
